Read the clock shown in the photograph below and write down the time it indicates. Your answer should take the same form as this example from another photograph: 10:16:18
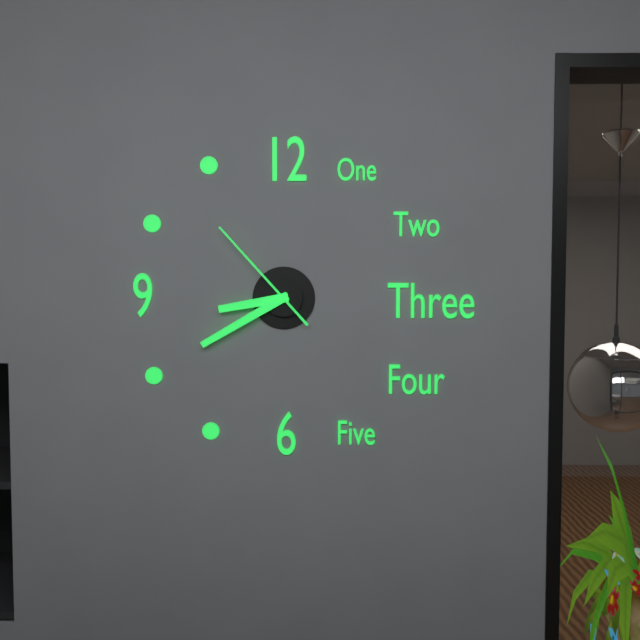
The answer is 8:40:53
